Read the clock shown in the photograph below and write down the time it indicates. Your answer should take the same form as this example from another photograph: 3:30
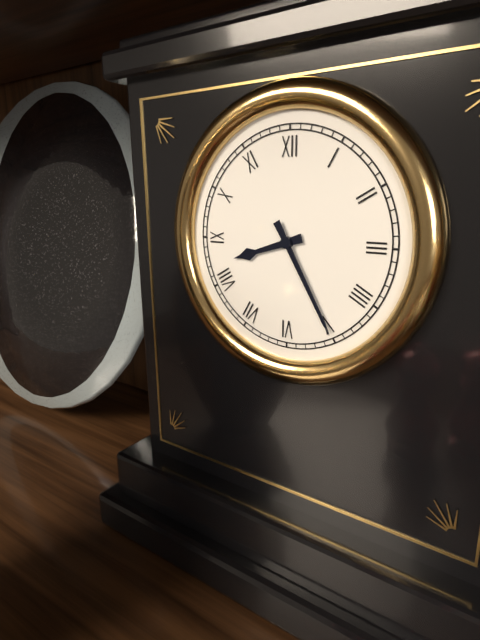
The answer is 8:25
